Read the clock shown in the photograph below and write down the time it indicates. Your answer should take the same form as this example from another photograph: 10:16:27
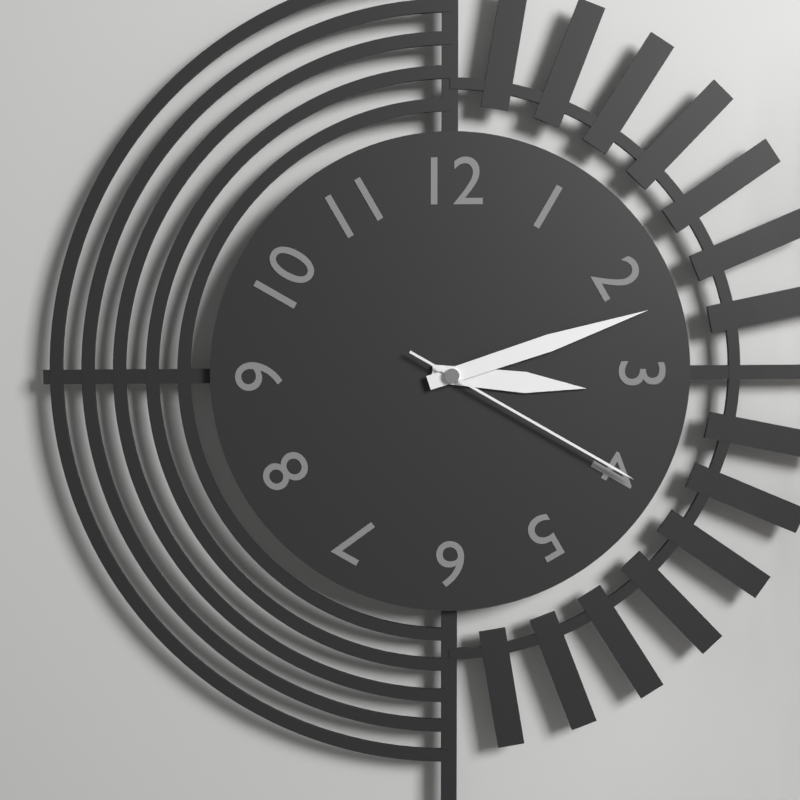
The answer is 3:12:20
